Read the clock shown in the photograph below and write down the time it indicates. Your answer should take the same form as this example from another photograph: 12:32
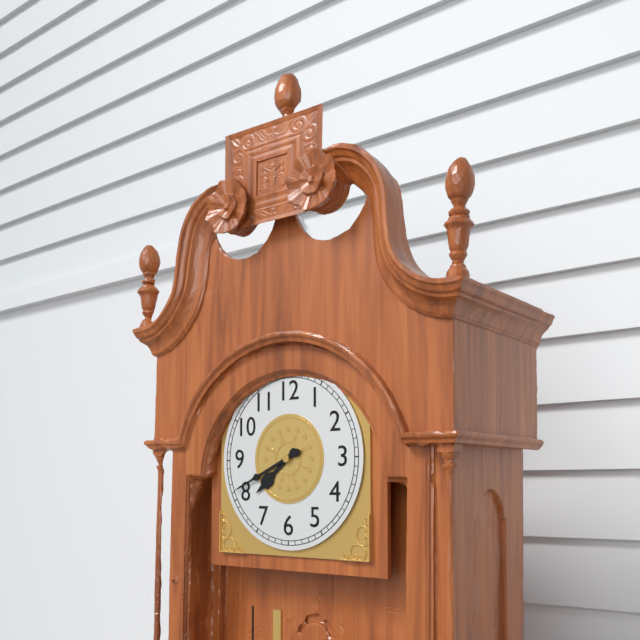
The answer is 7:41
